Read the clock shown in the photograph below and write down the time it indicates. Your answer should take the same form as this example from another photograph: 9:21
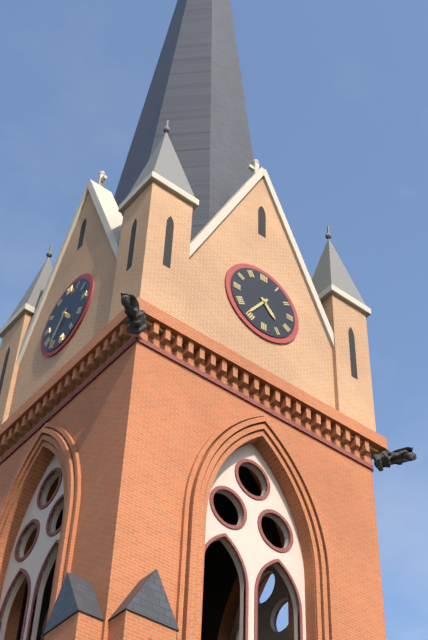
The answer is 4:36
